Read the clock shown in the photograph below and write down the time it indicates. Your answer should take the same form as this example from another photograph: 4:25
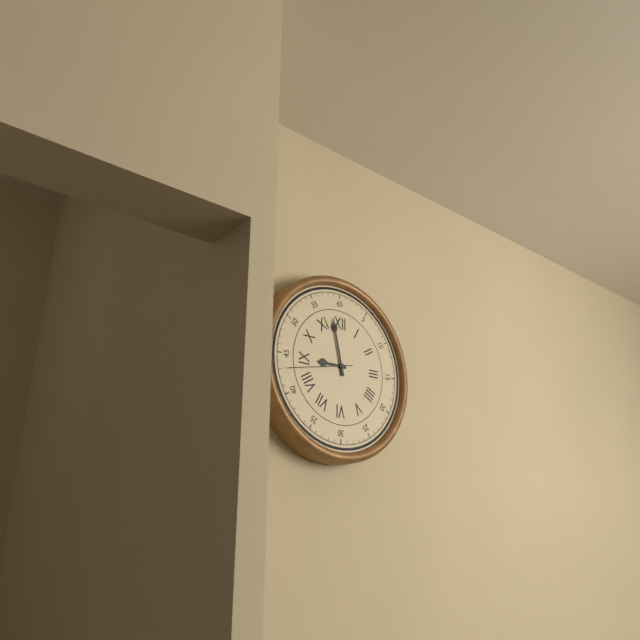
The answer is 8:58
